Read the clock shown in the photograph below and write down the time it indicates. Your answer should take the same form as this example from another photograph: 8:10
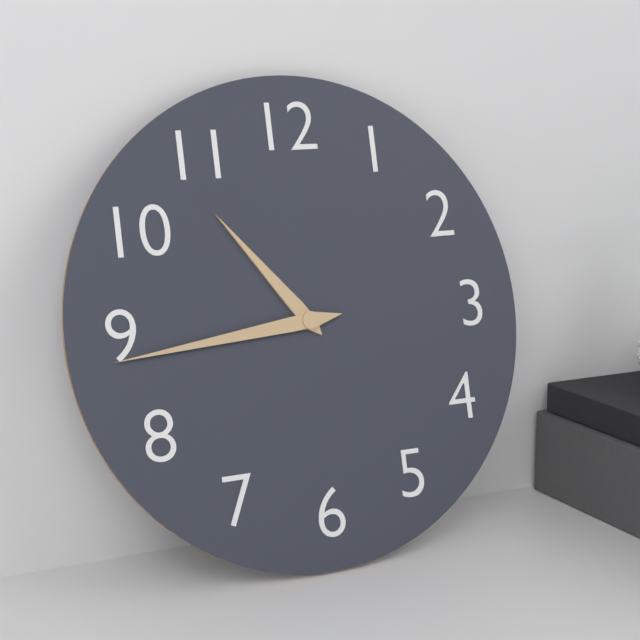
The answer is 10:44
